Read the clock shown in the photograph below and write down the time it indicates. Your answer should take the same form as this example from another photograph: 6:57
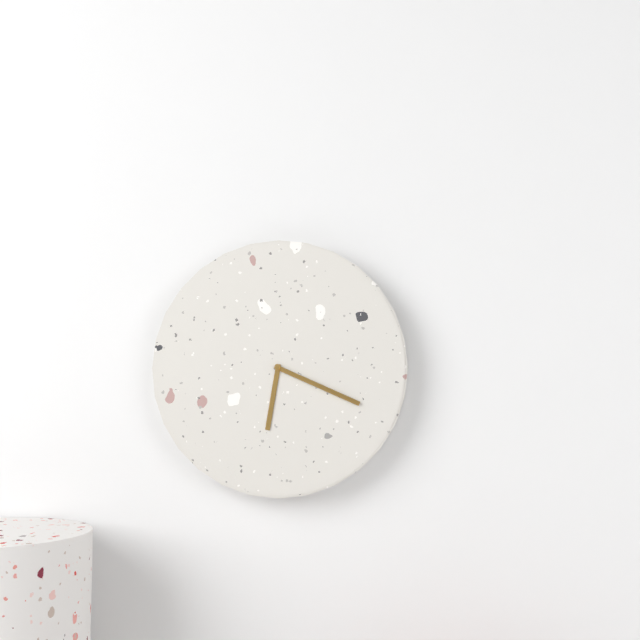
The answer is 6:19
